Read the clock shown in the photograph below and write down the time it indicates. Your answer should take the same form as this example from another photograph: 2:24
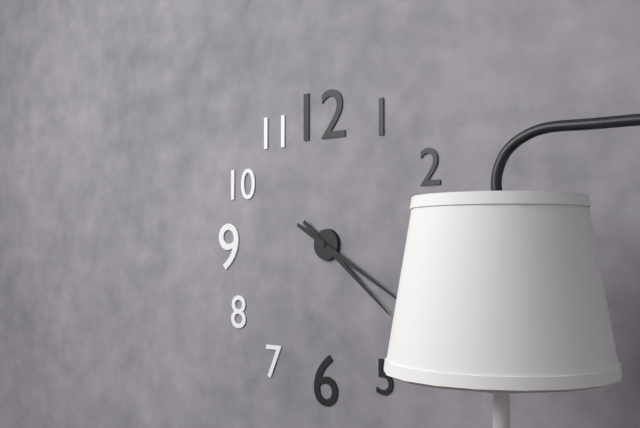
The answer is 4:20
